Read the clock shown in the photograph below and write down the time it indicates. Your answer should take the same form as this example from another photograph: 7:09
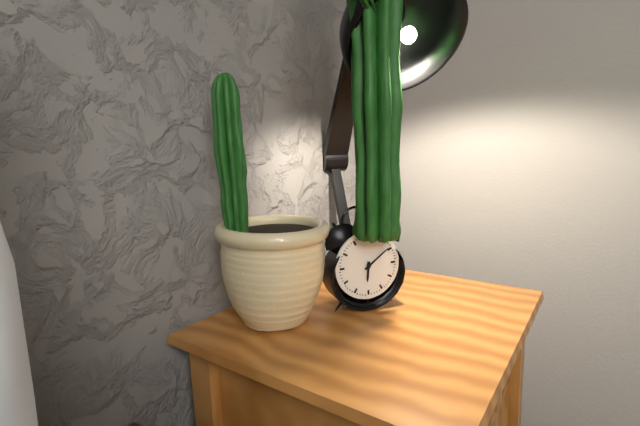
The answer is 6:09
